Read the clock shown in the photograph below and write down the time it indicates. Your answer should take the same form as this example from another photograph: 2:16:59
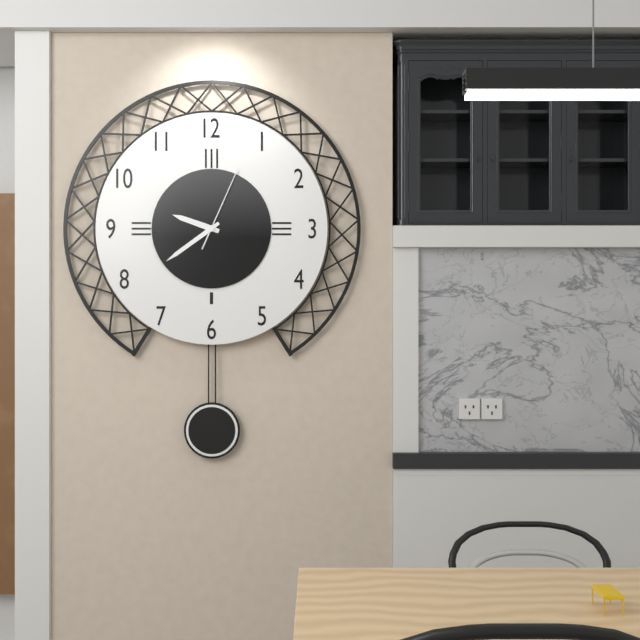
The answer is 9:39:04
